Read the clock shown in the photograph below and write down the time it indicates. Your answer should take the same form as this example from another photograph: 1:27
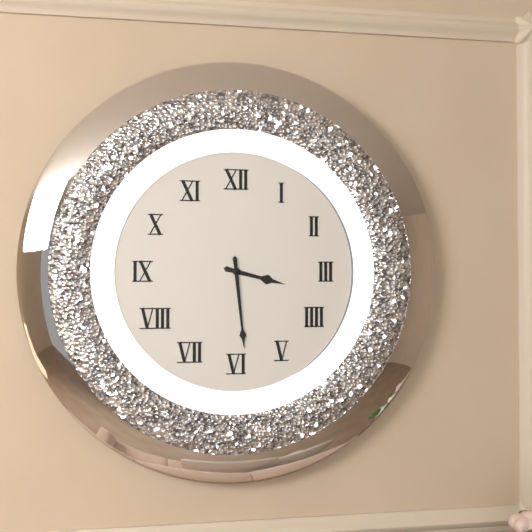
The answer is 3:29
